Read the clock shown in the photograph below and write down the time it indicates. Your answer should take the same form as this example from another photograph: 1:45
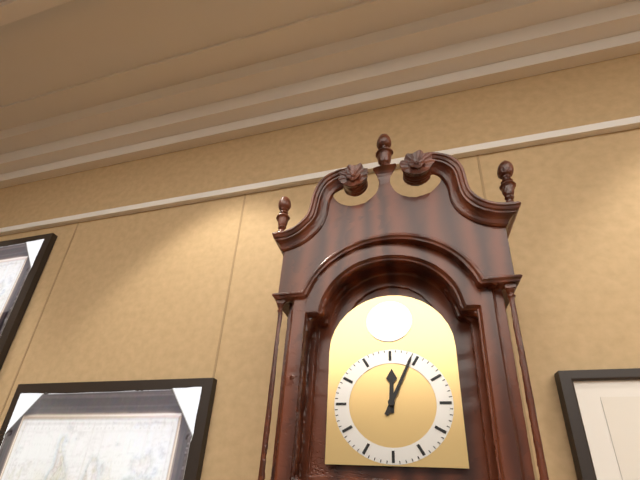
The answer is 12:04
